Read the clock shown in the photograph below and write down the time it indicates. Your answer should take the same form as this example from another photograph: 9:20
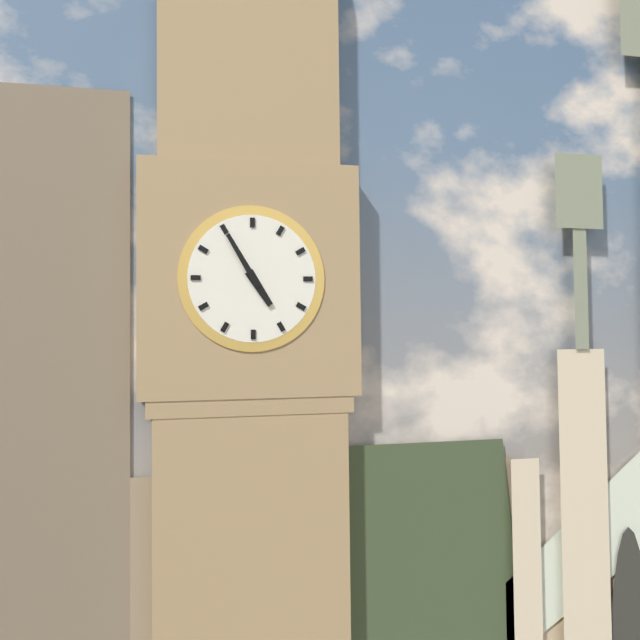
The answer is 4:55
